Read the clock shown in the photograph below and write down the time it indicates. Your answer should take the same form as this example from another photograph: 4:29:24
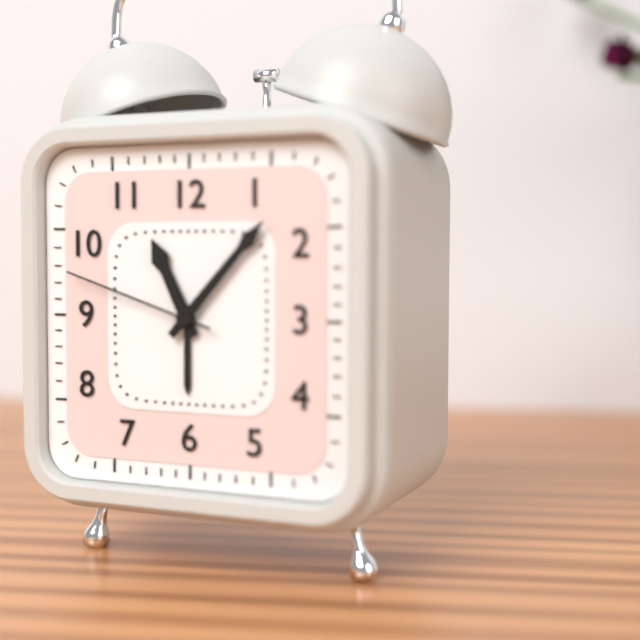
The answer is 11:07:48
